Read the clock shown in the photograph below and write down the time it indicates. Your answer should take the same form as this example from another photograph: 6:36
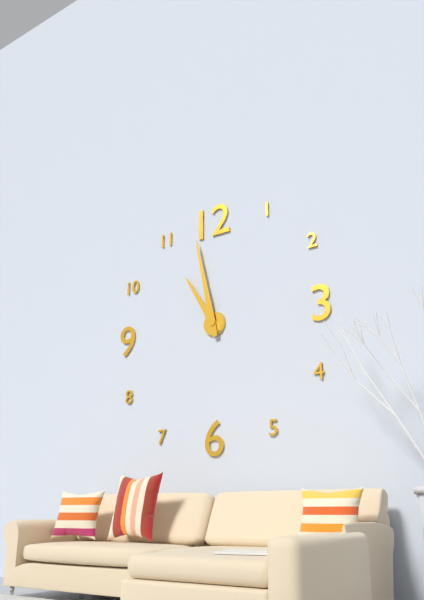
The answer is 10:58
